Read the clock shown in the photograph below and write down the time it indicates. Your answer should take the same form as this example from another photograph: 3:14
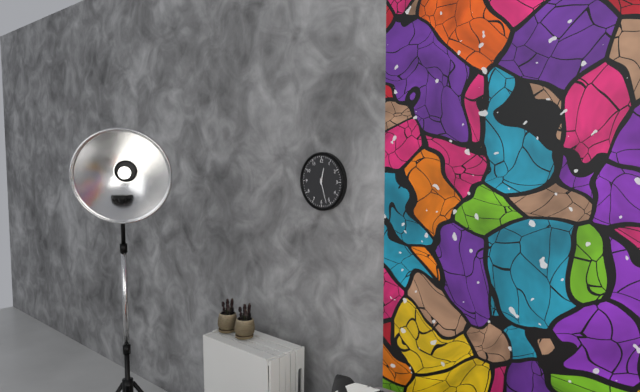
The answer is 12:27
